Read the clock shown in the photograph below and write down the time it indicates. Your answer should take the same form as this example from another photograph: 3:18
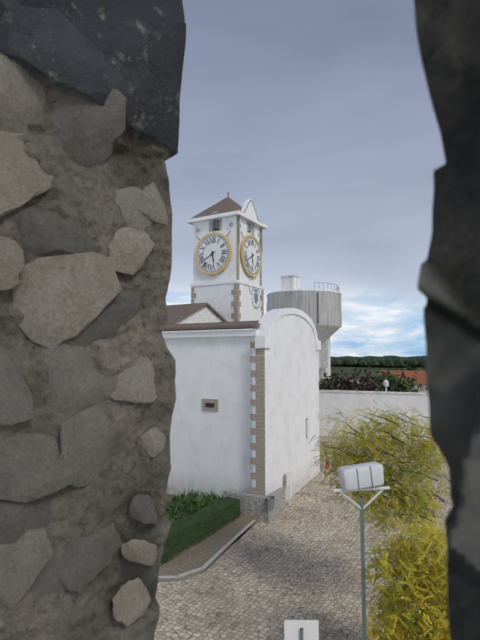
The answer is 5:40
